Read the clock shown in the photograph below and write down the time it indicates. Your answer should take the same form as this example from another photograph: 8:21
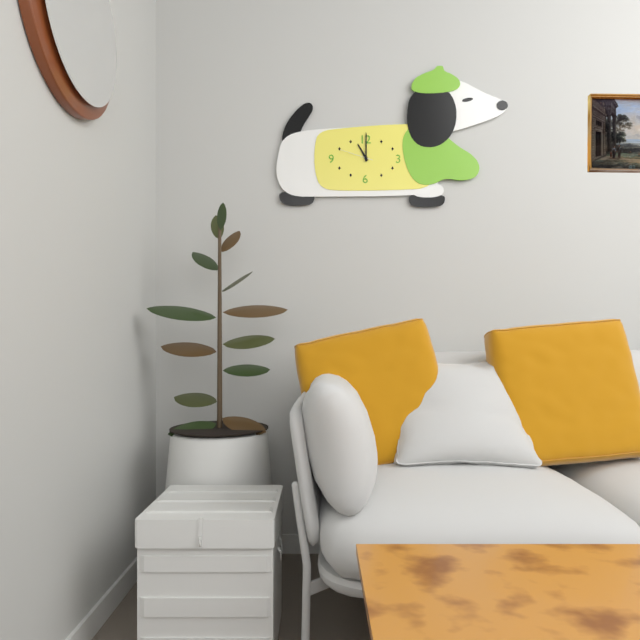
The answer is 11:00
